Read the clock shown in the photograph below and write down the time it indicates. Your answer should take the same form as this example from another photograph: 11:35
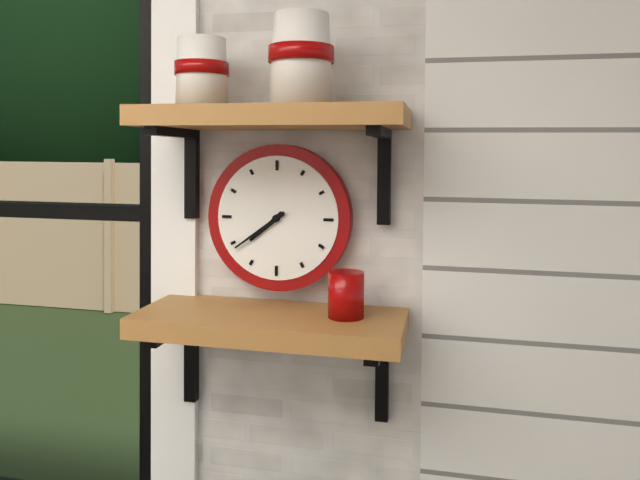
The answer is 7:39
